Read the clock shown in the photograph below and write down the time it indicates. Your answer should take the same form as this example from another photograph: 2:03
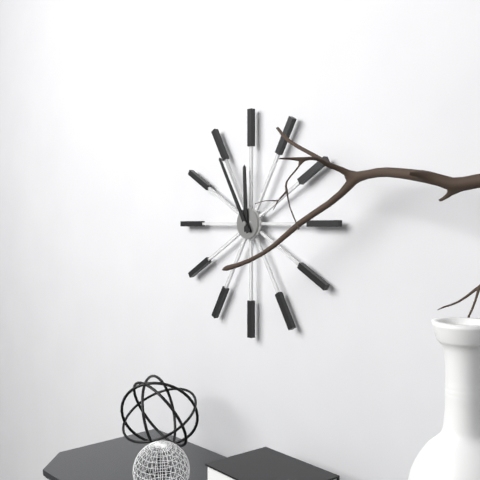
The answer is 11:55
